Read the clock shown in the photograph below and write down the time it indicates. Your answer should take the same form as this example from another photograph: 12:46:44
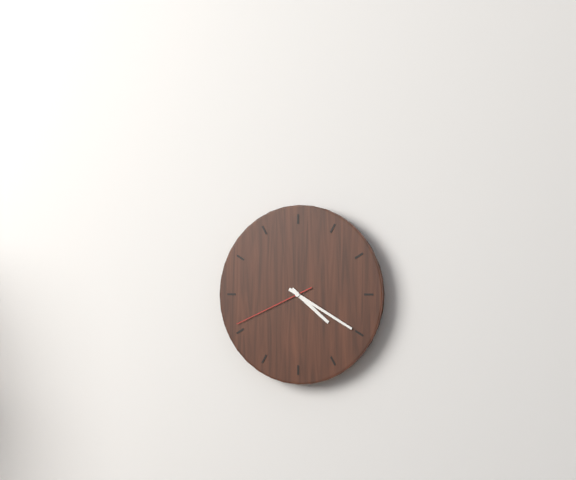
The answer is 4:20:41
